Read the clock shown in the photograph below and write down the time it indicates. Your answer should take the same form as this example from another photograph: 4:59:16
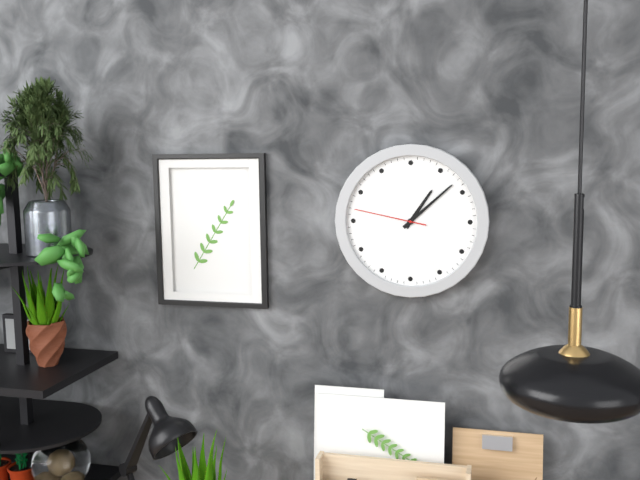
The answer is 1:08:47
